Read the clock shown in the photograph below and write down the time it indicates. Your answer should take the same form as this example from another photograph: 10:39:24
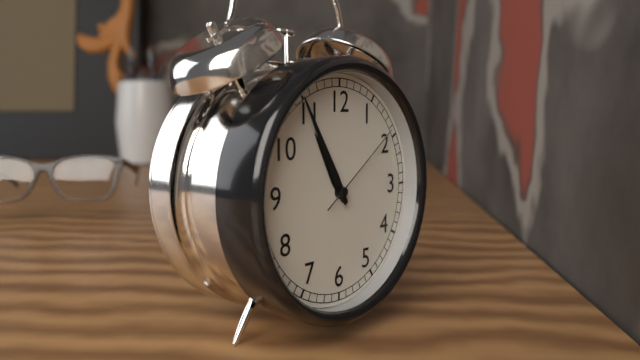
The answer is 10:55:09
